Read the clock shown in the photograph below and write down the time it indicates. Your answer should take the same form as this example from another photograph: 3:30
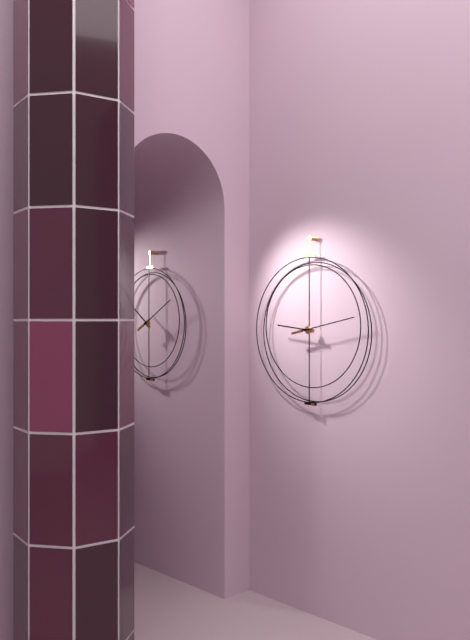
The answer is 9:13
